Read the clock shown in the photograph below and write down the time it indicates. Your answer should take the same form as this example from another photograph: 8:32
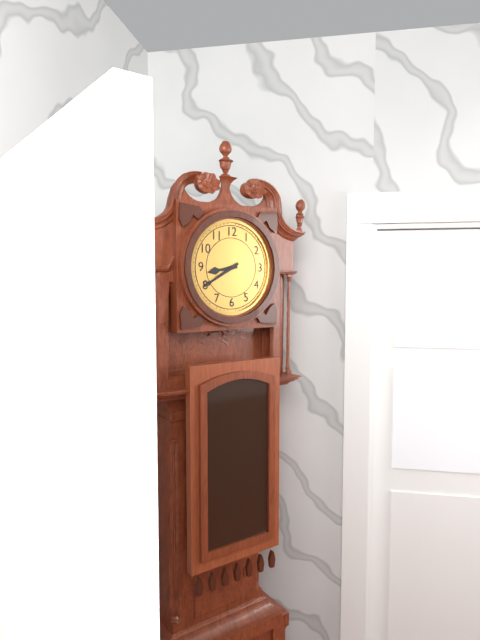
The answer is 8:40
